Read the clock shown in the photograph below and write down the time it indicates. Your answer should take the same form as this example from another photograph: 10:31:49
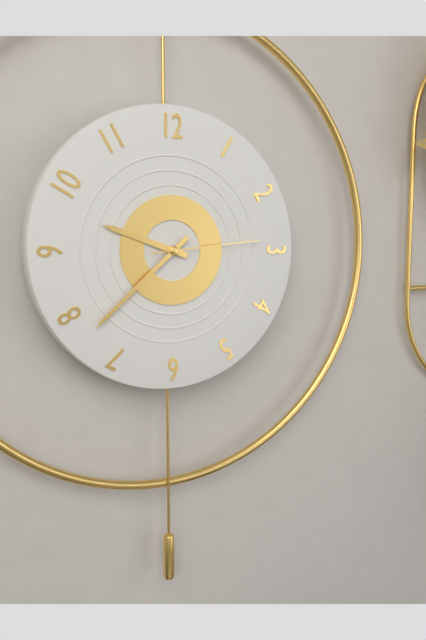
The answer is 9:38:14
